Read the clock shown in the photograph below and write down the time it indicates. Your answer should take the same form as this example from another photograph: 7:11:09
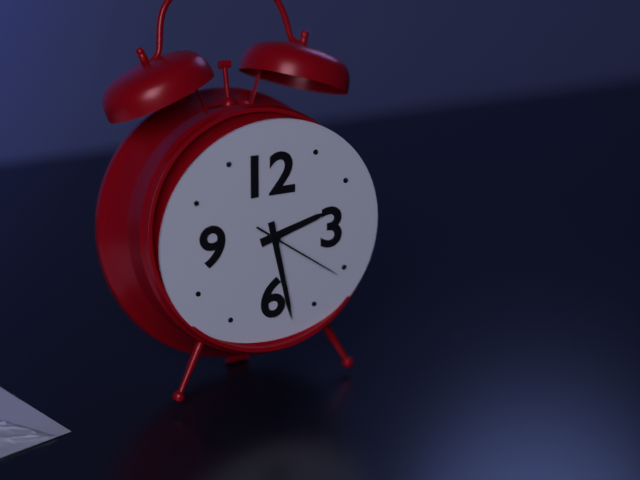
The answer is 2:28:21
